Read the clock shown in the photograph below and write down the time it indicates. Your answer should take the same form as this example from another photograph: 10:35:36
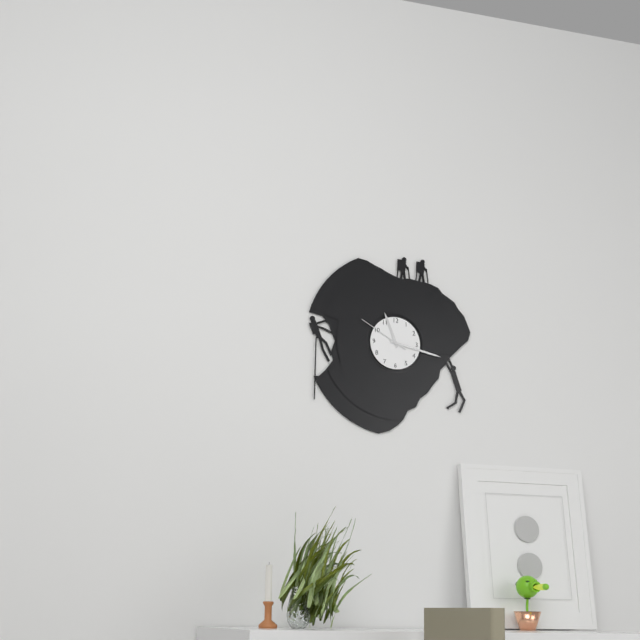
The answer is 11:17:50
